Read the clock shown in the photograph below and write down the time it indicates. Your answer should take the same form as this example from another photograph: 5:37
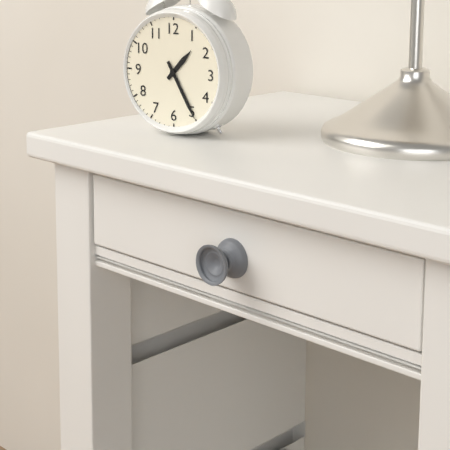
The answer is 1:25
